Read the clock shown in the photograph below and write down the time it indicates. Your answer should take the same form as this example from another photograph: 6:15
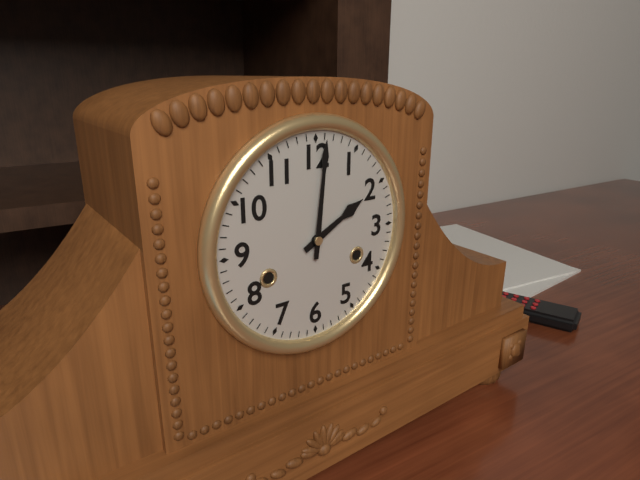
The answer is 2:01
